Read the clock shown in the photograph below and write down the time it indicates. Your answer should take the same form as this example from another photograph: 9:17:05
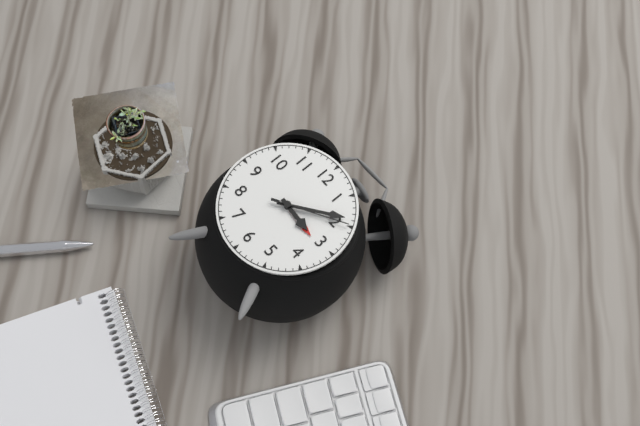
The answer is 3:09:10
